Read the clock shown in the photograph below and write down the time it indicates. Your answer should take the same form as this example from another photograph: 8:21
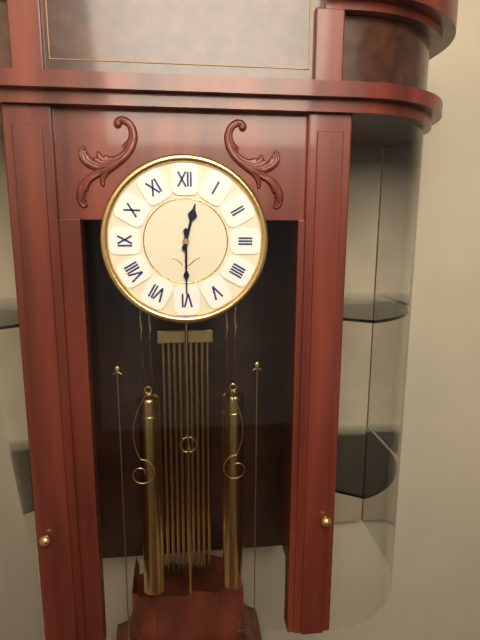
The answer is 12:30
